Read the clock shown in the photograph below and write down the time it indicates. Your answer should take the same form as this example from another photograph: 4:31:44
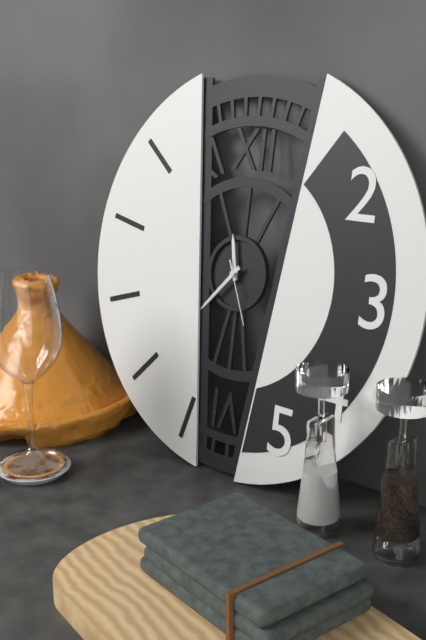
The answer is 11:37:26
